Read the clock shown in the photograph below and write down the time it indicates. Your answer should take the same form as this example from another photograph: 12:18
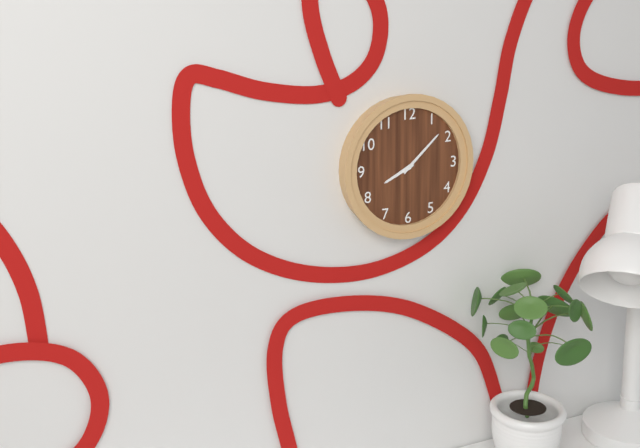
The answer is 8:08
